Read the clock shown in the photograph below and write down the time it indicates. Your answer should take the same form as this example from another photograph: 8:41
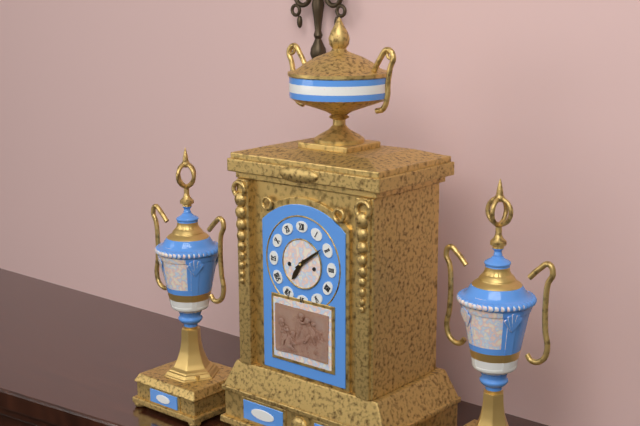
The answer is 7:09
